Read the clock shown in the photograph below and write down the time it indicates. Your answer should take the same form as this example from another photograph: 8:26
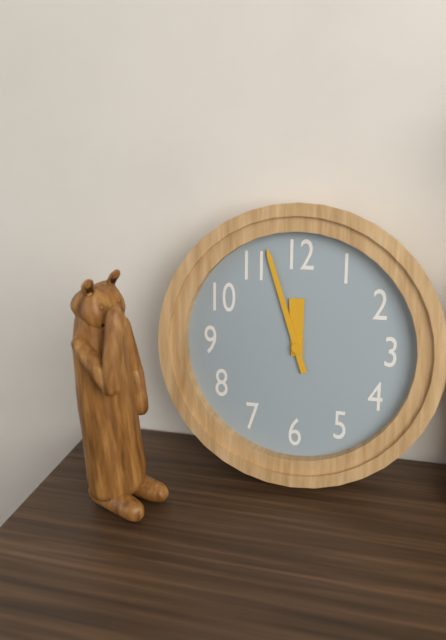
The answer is 11:57
